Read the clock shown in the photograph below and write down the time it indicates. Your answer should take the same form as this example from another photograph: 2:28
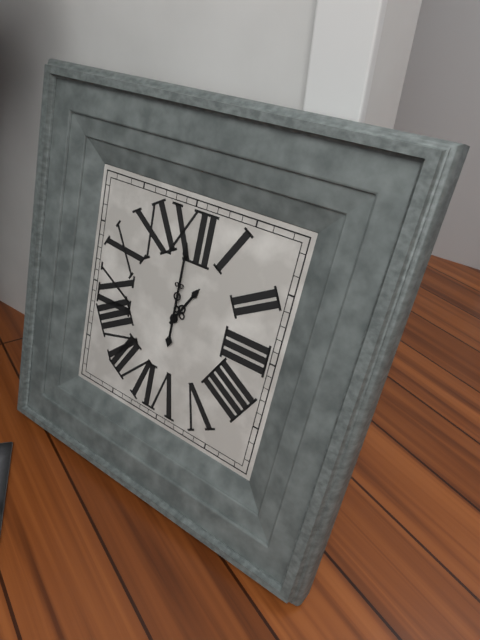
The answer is 1:00
